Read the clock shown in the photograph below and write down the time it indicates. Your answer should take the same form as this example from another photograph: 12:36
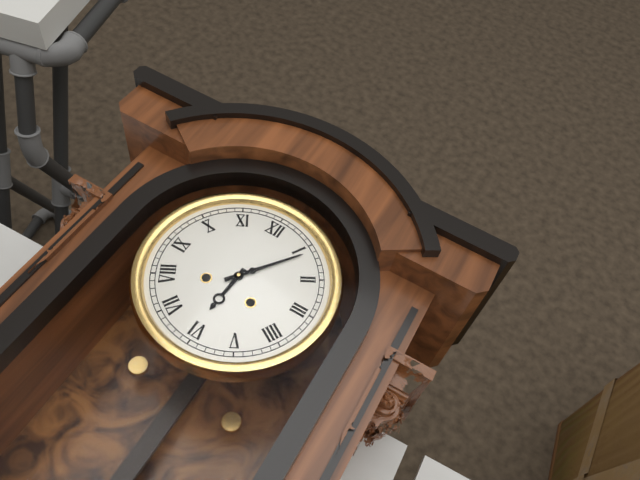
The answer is 6:06
